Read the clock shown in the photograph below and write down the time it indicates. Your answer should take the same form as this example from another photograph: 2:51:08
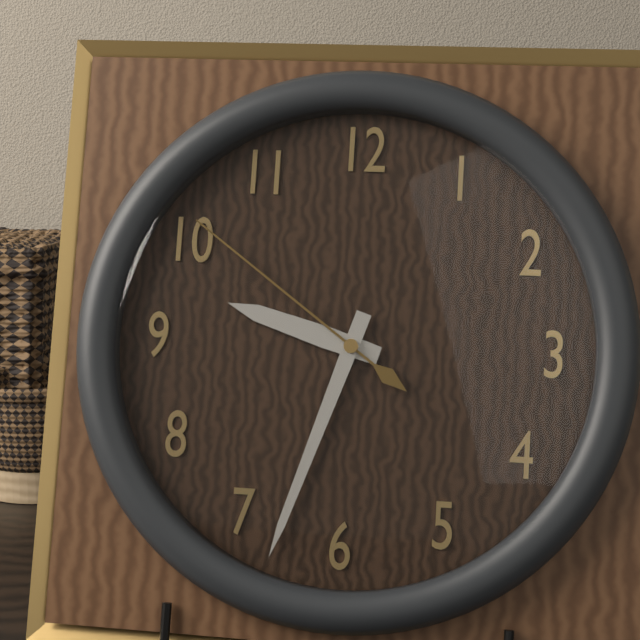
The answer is 9:33:51
